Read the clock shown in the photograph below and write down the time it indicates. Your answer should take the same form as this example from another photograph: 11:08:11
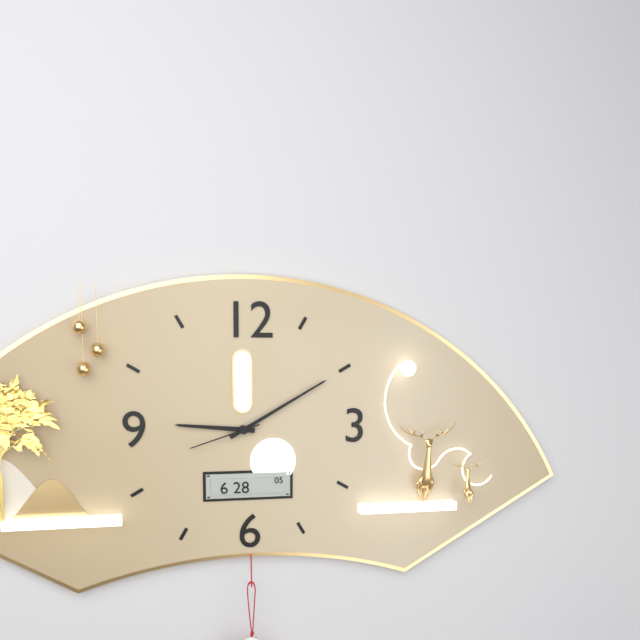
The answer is 9:10:42
